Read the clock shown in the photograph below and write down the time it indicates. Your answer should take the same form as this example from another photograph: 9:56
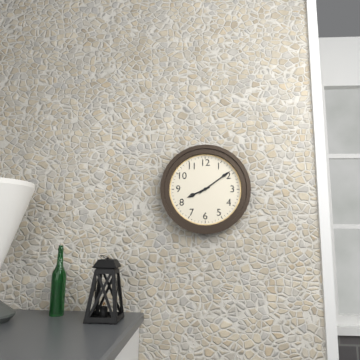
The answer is 8:09
